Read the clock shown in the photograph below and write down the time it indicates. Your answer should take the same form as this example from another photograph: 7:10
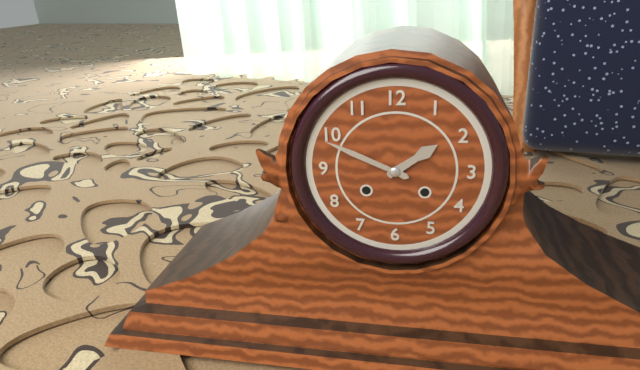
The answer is 1:49
